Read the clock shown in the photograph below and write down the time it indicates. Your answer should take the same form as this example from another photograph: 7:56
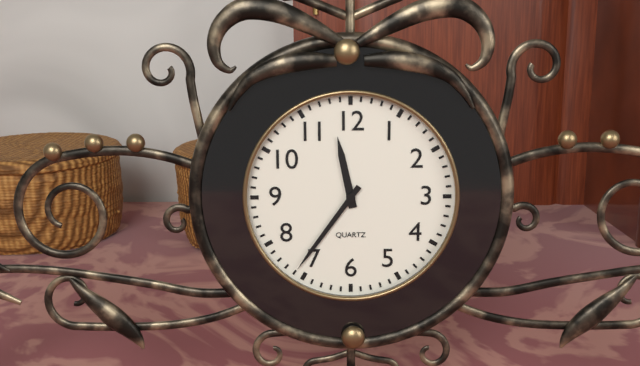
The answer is 11:36
